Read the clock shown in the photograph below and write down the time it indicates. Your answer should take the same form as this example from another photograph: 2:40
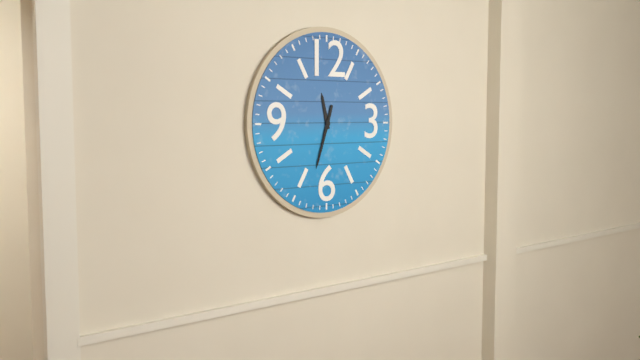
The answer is 11:33
